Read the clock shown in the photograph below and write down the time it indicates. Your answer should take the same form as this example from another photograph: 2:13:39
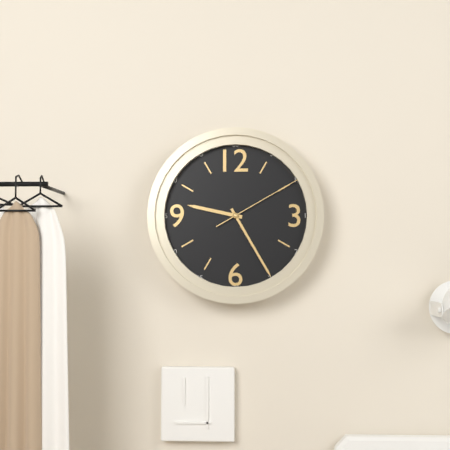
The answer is 9:25:10
